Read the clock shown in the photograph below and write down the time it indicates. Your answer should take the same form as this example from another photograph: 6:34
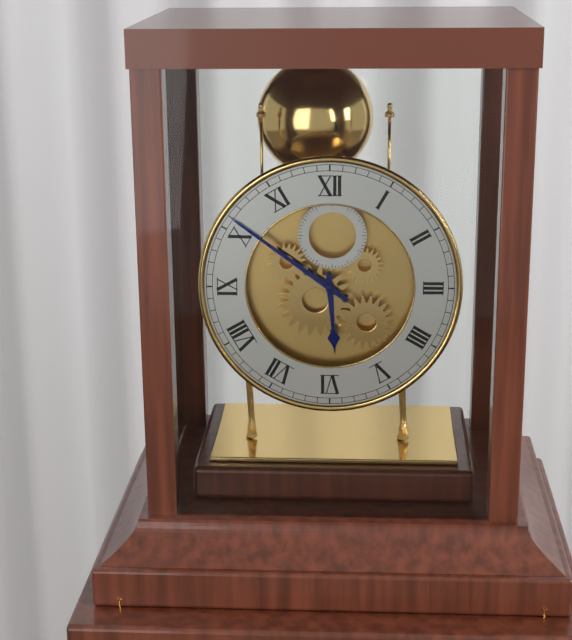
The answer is 5:51
